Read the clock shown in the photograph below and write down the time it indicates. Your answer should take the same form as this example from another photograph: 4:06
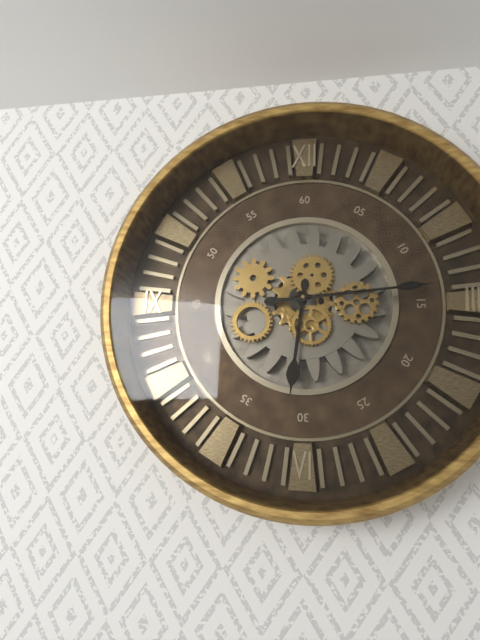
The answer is 6:14
